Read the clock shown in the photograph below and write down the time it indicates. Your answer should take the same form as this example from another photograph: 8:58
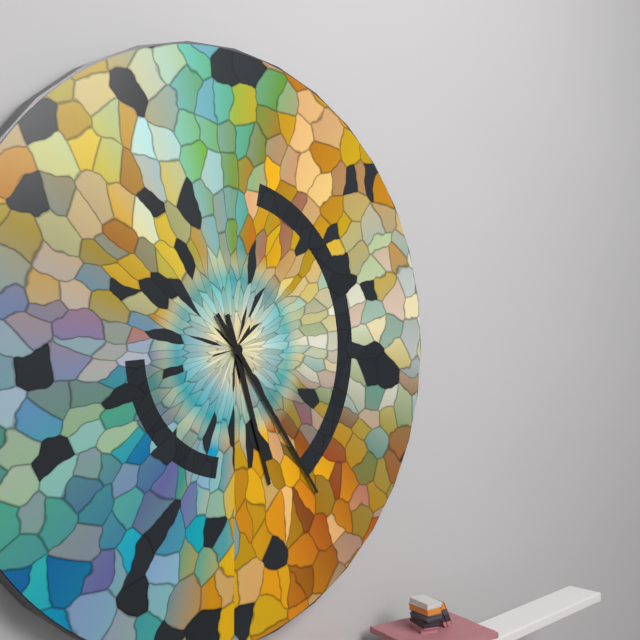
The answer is 5:24
